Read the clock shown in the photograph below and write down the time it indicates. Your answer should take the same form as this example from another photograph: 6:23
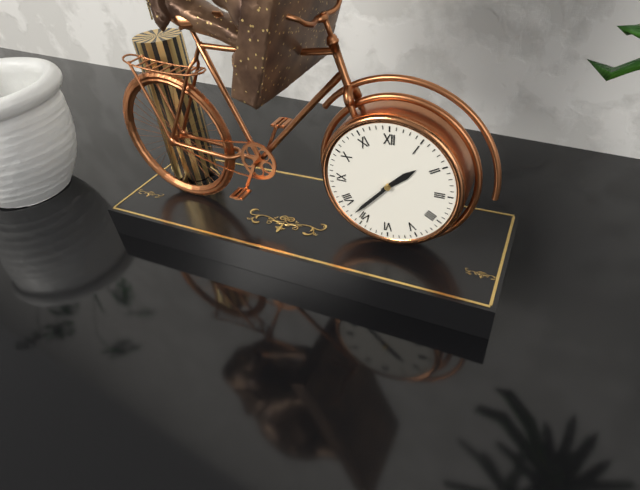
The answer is 1:37
